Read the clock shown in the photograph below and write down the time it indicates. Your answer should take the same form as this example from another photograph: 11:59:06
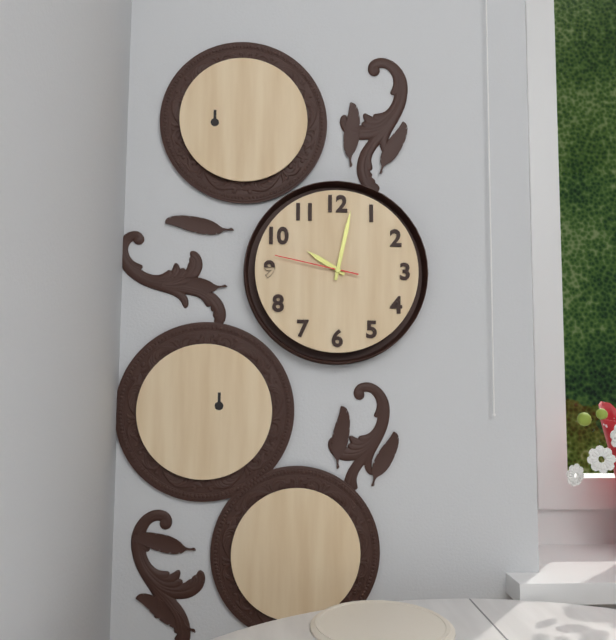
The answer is 10:02:47
